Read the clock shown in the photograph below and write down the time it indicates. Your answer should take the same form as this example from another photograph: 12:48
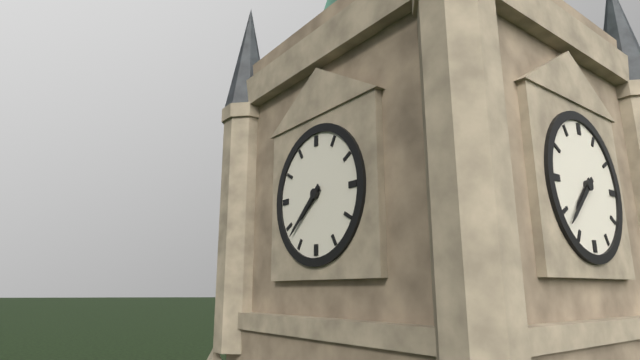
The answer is 7:38
